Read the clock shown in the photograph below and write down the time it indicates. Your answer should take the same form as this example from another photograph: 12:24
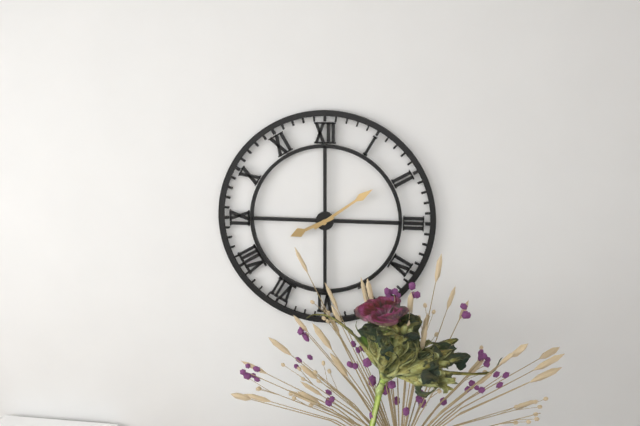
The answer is 8:09
